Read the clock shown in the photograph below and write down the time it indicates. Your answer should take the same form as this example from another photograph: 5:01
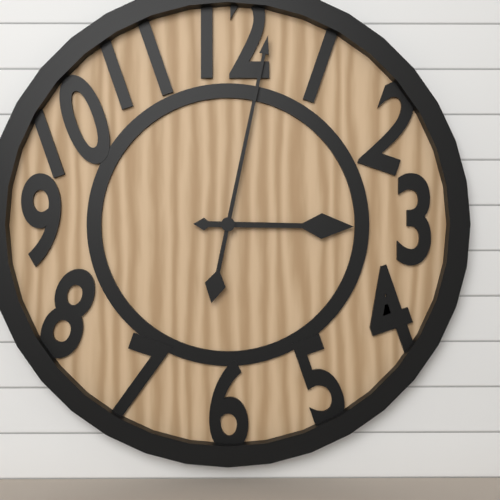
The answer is 3:02
